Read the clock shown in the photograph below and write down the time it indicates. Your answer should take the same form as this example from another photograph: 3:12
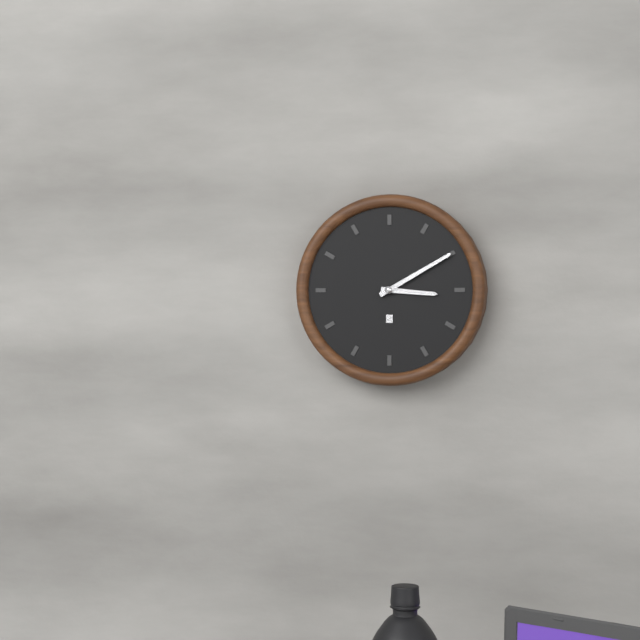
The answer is 3:10
